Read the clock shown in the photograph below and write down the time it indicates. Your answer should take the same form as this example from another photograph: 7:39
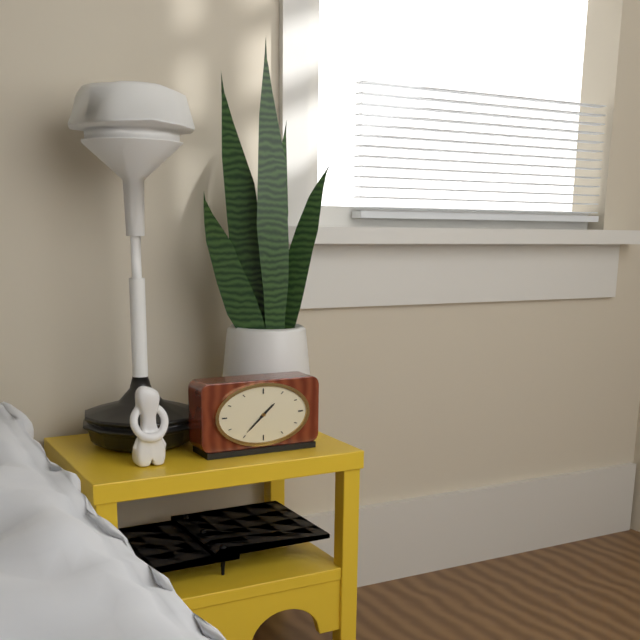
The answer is 1:38
